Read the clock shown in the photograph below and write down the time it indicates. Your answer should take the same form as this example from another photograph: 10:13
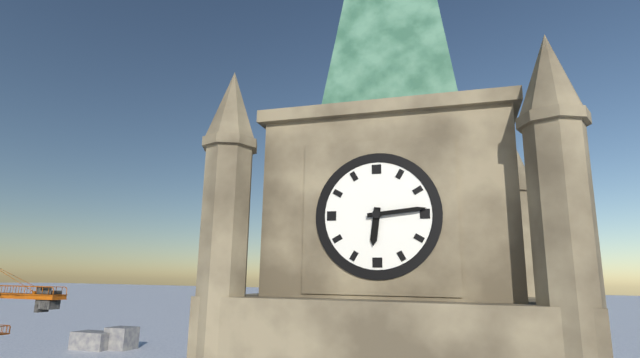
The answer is 6:14
